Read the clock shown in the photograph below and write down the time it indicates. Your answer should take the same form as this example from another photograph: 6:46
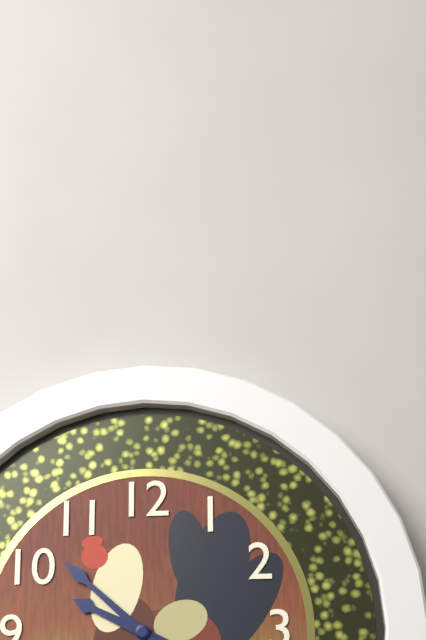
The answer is 9:52
